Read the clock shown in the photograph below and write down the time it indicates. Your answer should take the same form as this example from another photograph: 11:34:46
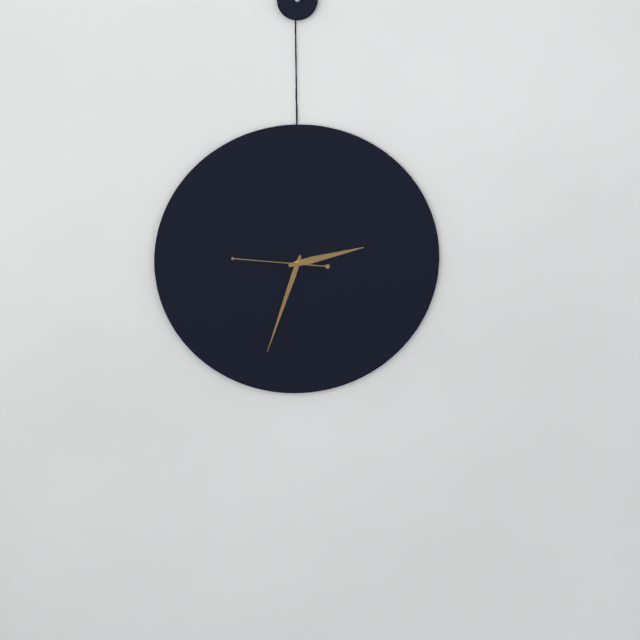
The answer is 2:33:46
